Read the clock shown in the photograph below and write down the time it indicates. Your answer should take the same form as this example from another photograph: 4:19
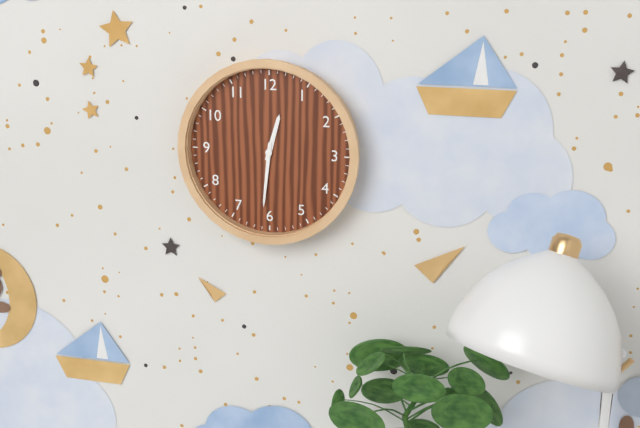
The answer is 12:31
